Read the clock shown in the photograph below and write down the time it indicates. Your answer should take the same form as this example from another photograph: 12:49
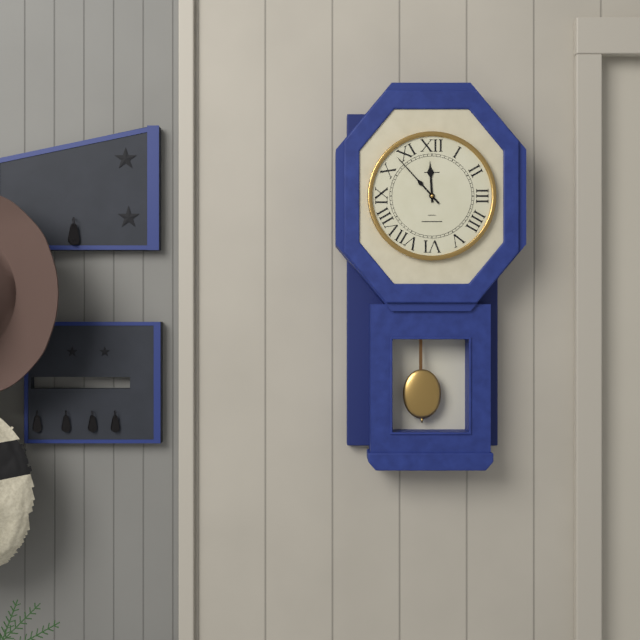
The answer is 11:53
